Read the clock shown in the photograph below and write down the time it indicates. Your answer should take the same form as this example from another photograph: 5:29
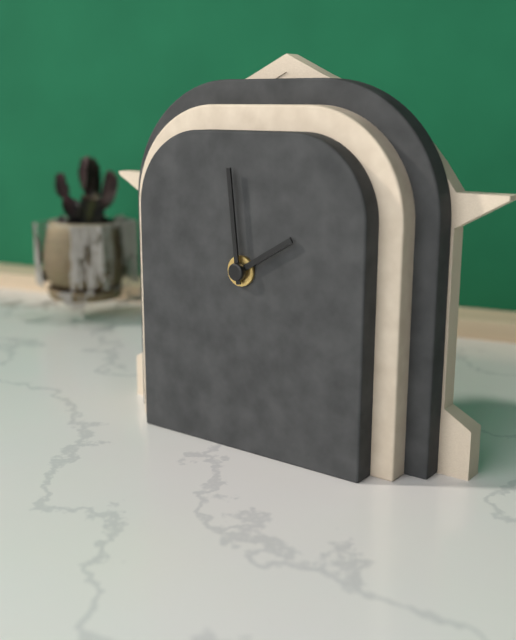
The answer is 1:59
